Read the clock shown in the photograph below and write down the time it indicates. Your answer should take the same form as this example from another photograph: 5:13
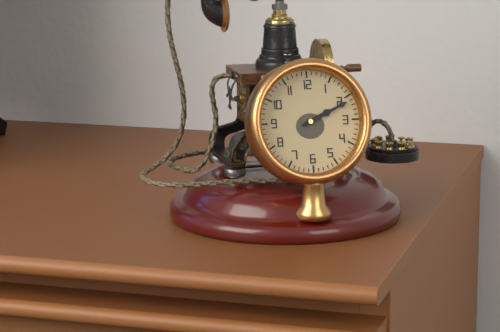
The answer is 2:11
